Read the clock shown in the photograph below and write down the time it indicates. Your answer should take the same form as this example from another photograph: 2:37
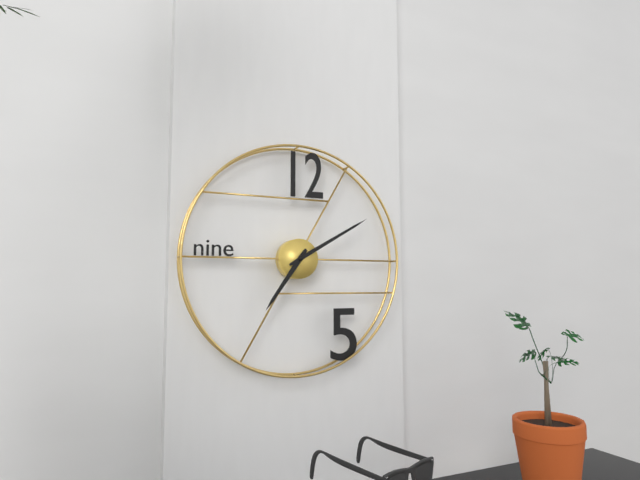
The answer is 7:10
